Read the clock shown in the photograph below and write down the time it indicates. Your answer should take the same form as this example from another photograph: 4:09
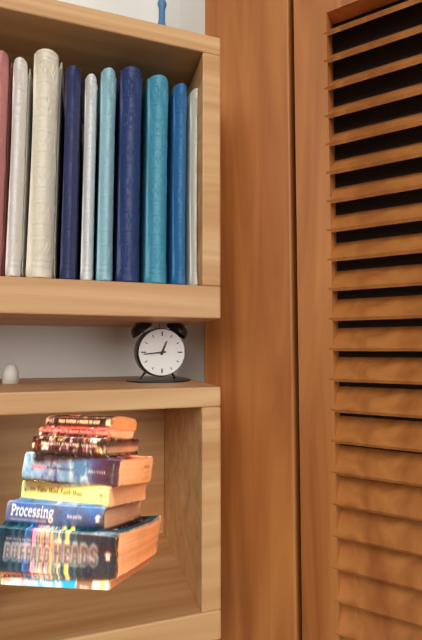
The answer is 12:44
